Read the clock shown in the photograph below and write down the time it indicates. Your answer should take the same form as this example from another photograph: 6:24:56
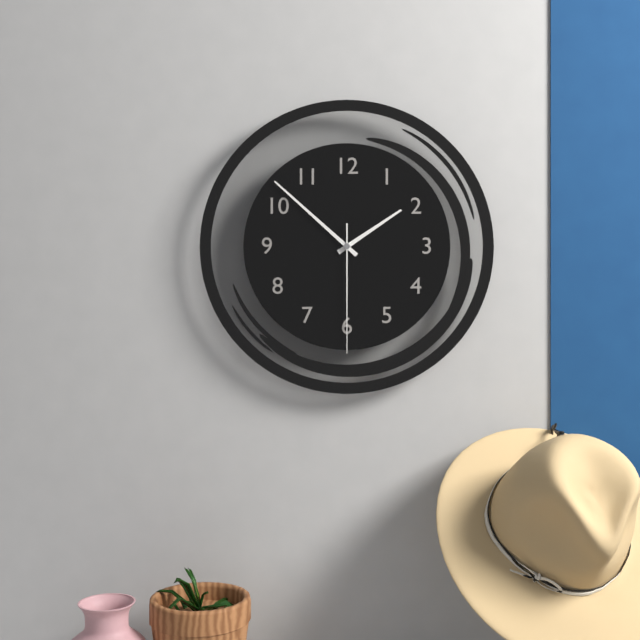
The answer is 1:52:30
